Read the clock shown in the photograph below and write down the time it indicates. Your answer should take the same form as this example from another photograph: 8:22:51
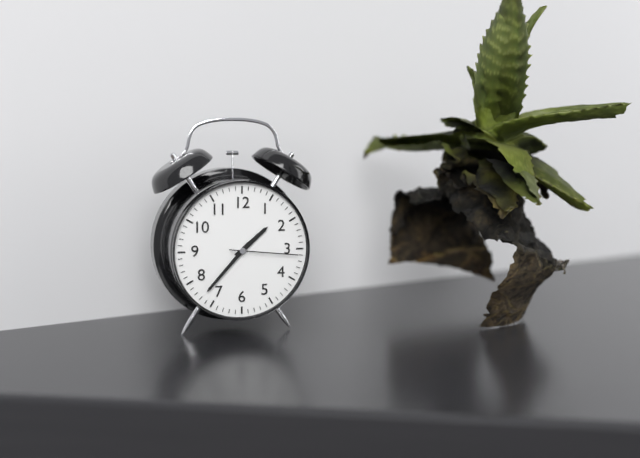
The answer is 1:37:16
